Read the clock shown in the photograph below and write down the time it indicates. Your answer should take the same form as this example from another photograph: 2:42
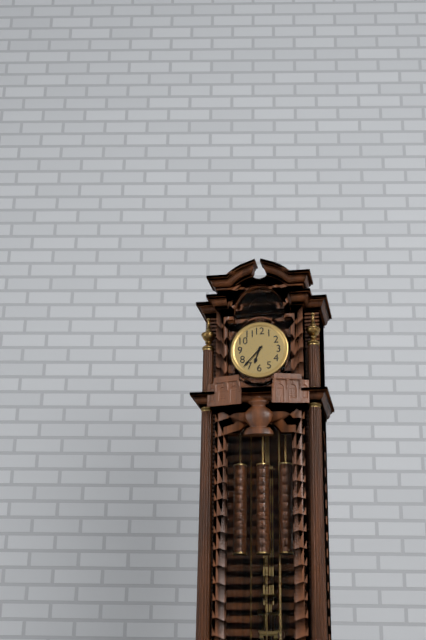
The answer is 6:37
